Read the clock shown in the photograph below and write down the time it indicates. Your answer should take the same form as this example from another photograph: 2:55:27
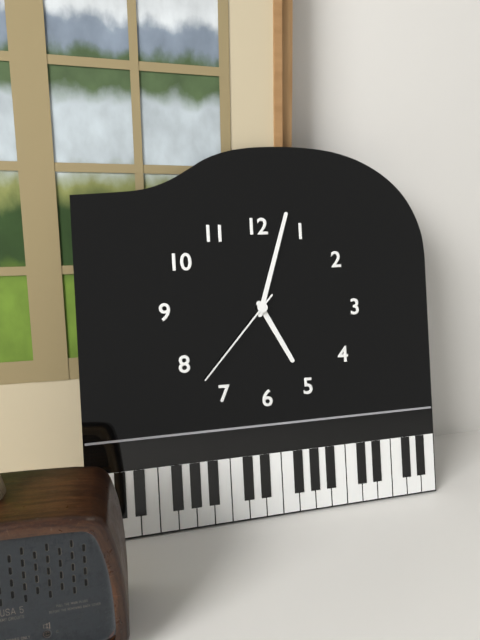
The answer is 5:03:37
